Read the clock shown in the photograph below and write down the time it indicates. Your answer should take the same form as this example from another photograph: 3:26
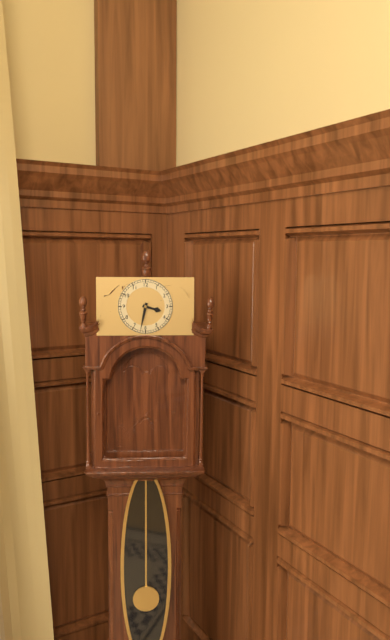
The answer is 3:32
